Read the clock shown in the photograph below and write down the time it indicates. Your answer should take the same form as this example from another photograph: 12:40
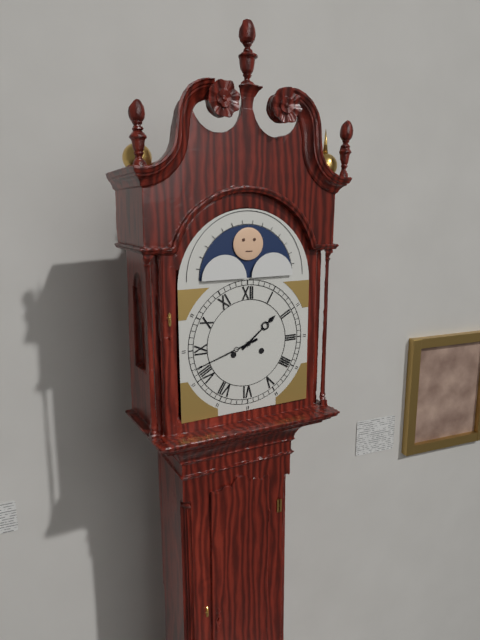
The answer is 1:42
